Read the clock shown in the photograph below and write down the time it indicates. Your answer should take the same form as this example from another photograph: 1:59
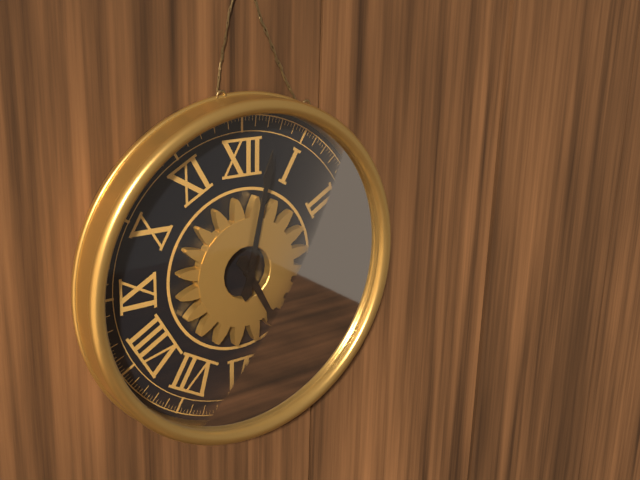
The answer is 5:02
